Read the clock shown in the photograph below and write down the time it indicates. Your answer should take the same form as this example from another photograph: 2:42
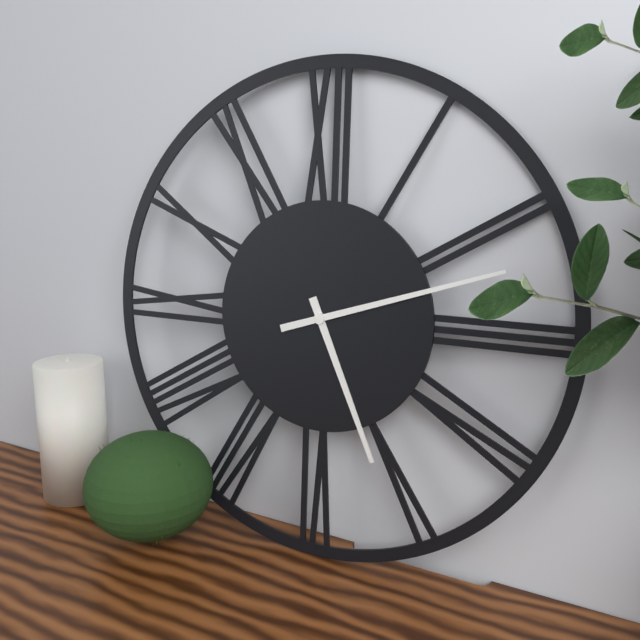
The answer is 5:12
